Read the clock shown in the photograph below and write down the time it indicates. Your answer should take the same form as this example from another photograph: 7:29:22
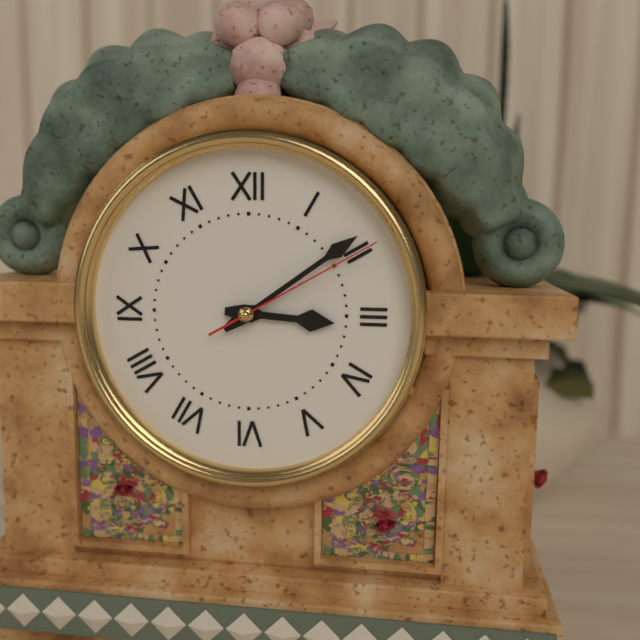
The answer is 3:09:10
